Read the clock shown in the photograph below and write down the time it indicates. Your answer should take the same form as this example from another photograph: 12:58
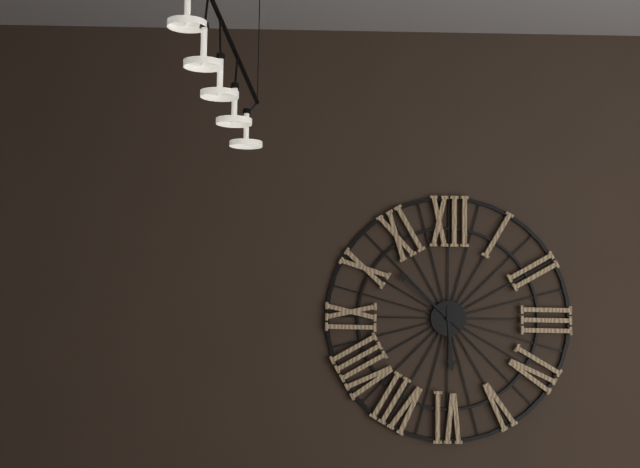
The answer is 5:52
